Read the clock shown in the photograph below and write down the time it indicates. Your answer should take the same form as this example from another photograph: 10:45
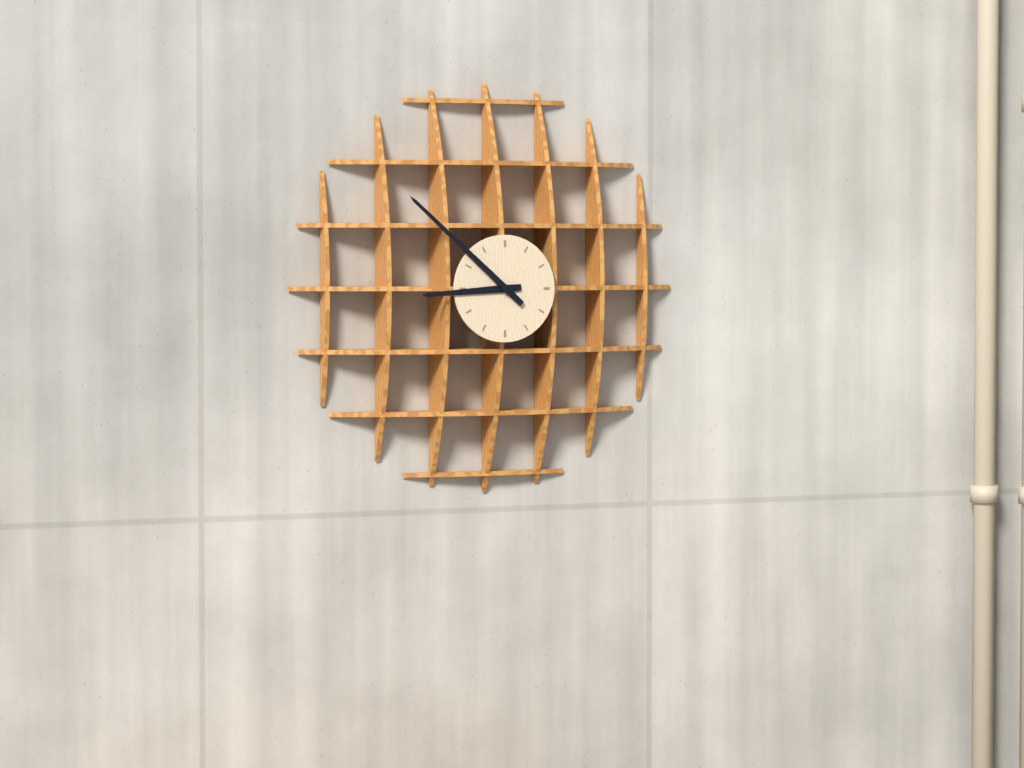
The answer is 8:52
